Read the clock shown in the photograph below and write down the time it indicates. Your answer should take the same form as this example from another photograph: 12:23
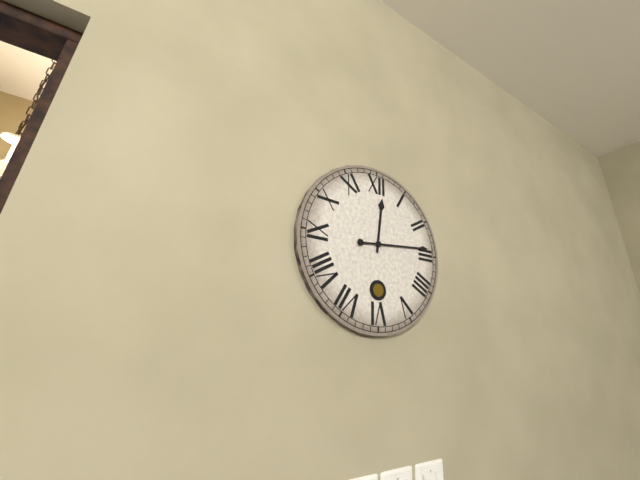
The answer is 12:14
